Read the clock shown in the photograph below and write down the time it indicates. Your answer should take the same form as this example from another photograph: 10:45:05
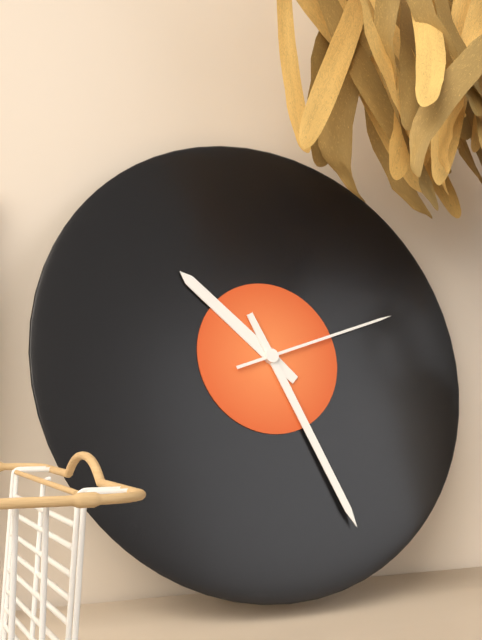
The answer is 10:26:12
